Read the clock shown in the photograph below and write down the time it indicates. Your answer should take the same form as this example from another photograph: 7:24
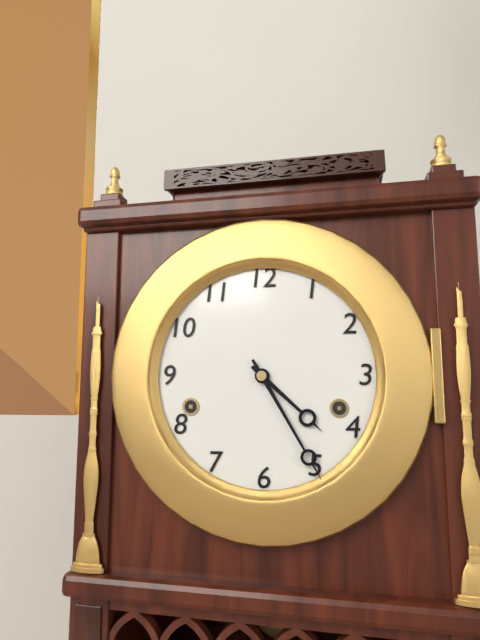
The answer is 4:25
